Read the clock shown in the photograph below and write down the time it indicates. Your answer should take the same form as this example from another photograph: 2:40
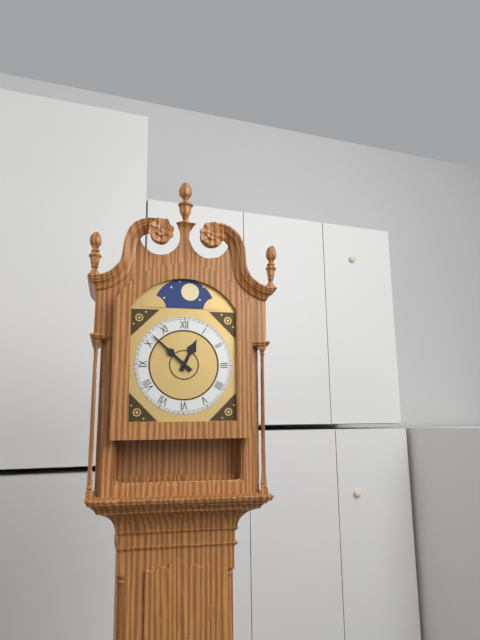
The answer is 12:52
